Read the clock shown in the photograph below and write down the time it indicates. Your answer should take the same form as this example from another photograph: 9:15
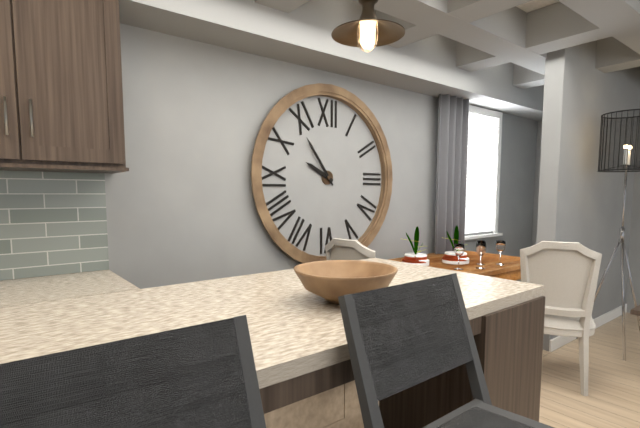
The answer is 9:54
